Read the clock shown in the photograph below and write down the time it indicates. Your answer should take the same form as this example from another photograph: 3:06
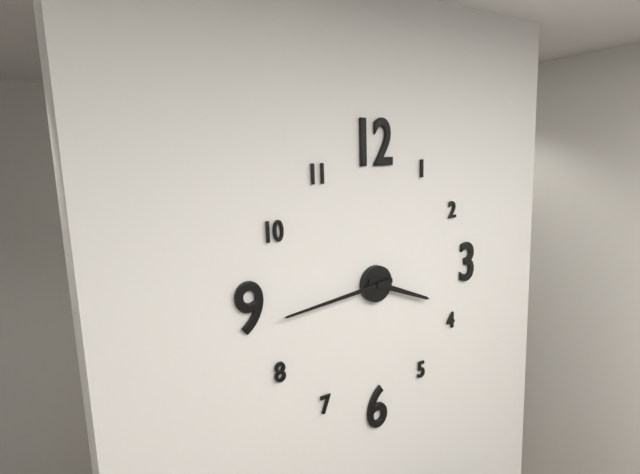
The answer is 3:44
